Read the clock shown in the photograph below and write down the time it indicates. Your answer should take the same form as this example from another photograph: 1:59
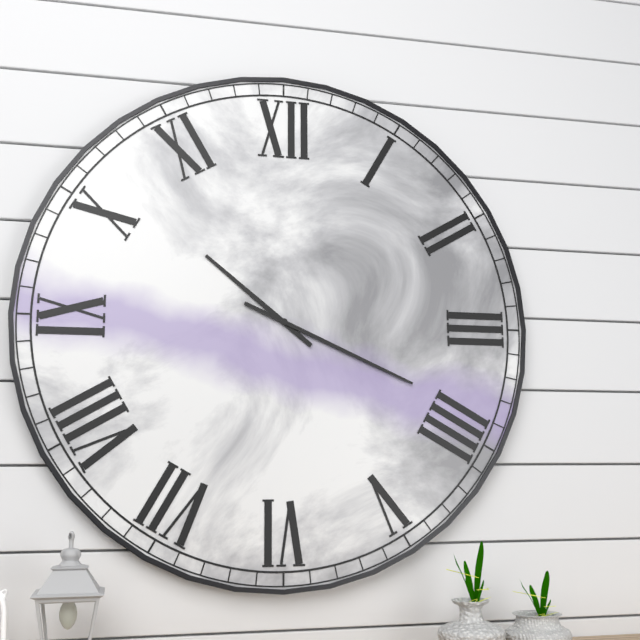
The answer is 10:19
